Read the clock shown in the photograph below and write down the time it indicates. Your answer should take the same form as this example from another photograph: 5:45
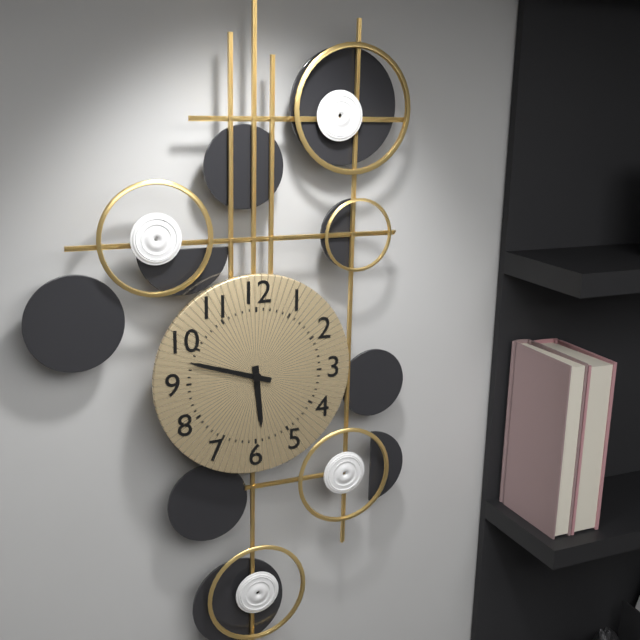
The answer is 5:48
